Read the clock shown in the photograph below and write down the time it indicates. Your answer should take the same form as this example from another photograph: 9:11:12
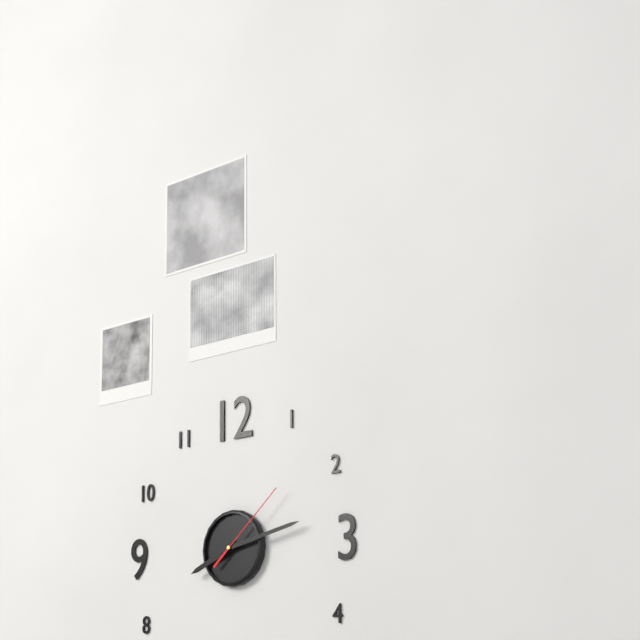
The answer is 8:13:08
